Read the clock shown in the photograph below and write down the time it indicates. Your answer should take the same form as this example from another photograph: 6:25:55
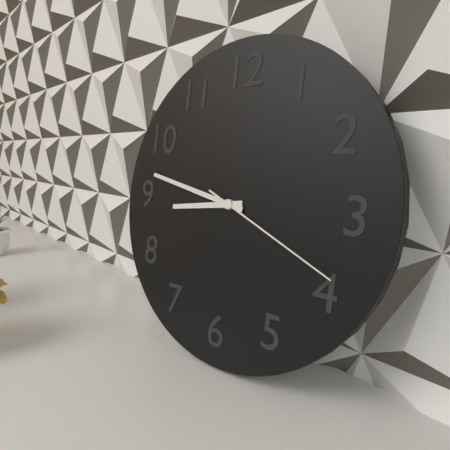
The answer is 8:47:19
